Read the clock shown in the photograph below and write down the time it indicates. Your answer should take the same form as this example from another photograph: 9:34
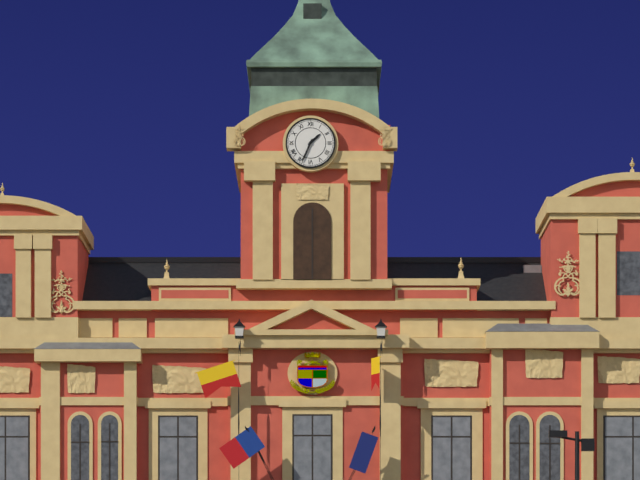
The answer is 1:34
